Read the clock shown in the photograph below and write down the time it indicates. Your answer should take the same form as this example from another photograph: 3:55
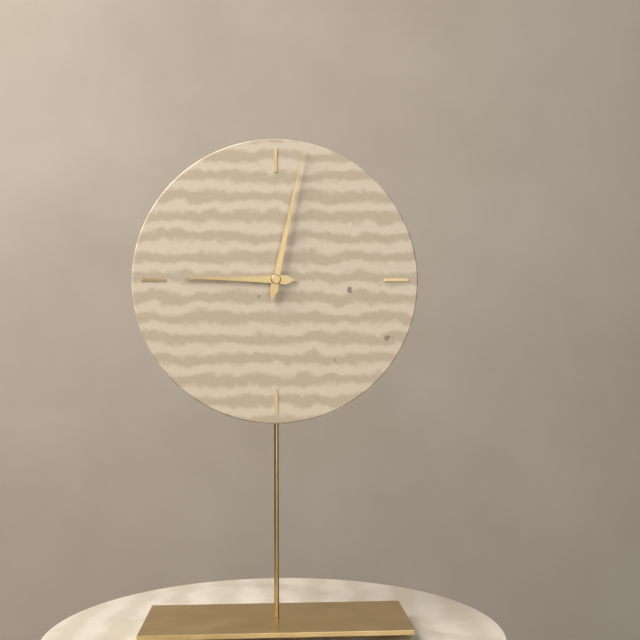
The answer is 9:02
